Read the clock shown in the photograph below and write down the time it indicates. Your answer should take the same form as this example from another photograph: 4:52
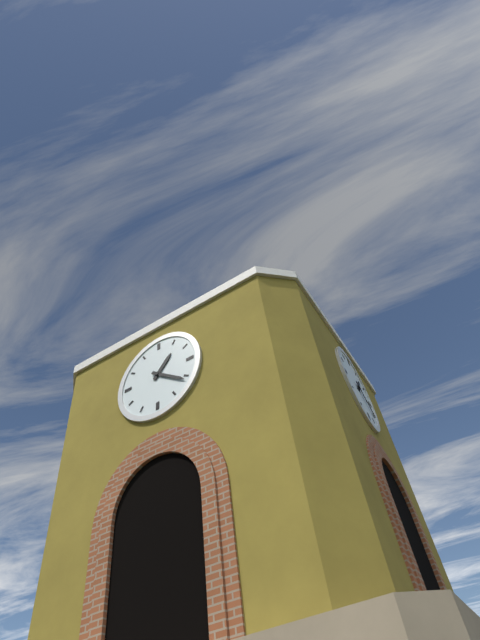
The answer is 1:21
